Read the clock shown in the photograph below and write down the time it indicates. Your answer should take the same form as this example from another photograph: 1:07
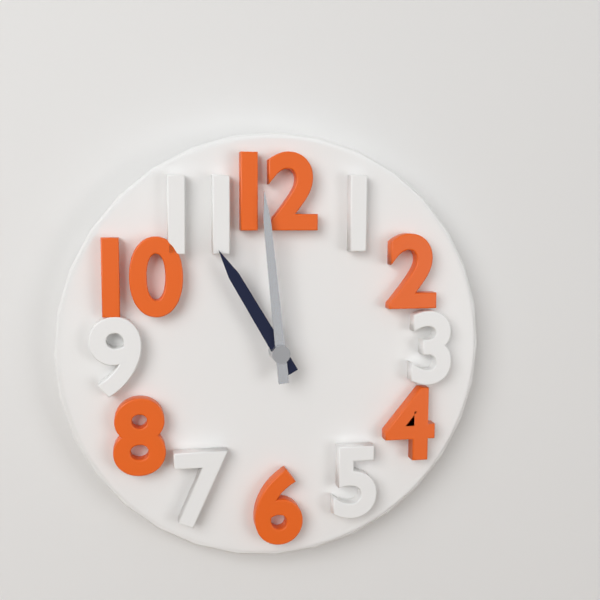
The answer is 10:59
